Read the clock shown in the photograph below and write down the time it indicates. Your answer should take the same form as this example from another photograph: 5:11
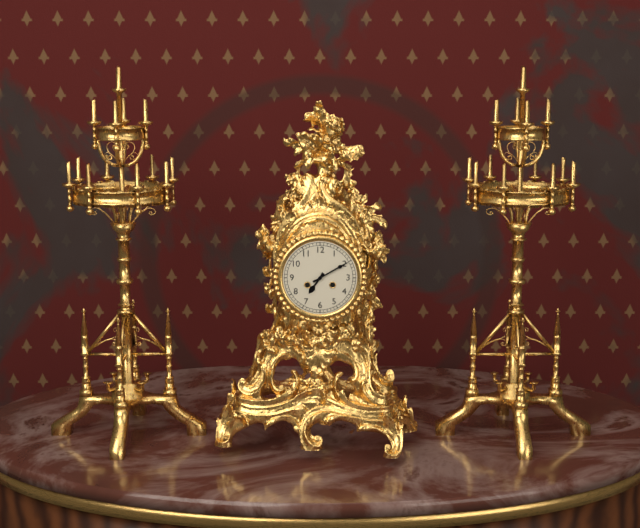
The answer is 7:10
